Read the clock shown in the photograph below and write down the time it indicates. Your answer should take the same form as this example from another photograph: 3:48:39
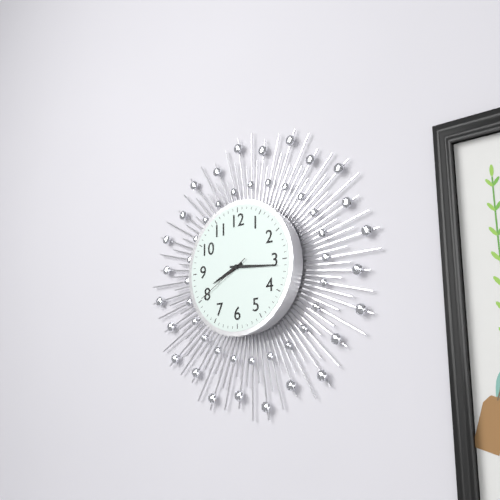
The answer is 8:16:40
